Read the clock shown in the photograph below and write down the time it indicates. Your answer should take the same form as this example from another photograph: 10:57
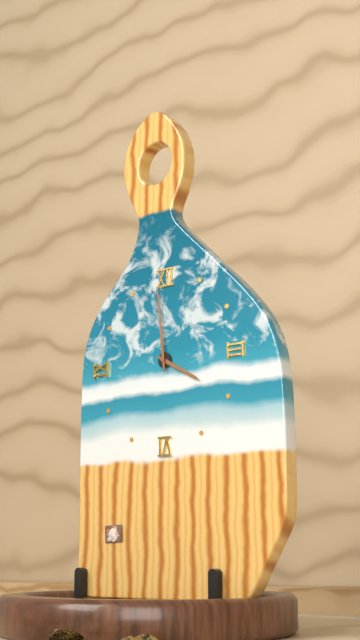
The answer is 3:59
